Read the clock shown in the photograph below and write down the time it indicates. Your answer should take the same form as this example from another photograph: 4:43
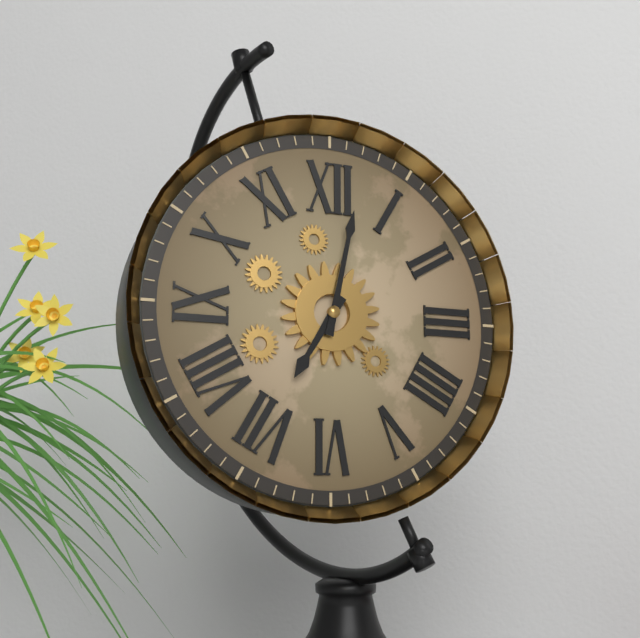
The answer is 7:02
